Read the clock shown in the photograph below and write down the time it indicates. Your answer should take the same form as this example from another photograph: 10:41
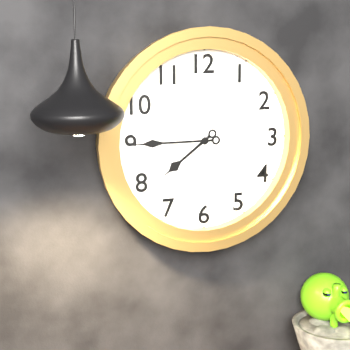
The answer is 7:45
